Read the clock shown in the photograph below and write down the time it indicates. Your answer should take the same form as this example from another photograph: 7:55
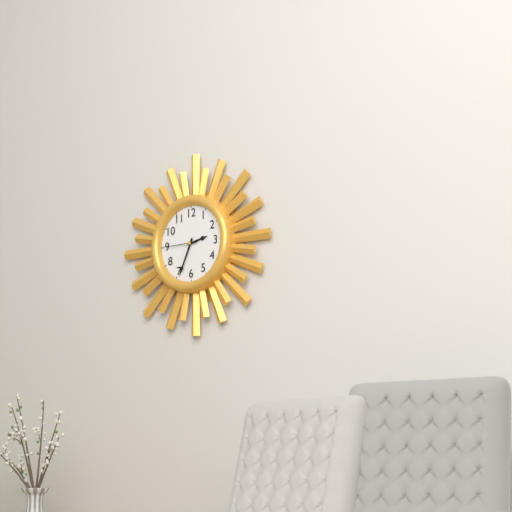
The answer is 2:34
